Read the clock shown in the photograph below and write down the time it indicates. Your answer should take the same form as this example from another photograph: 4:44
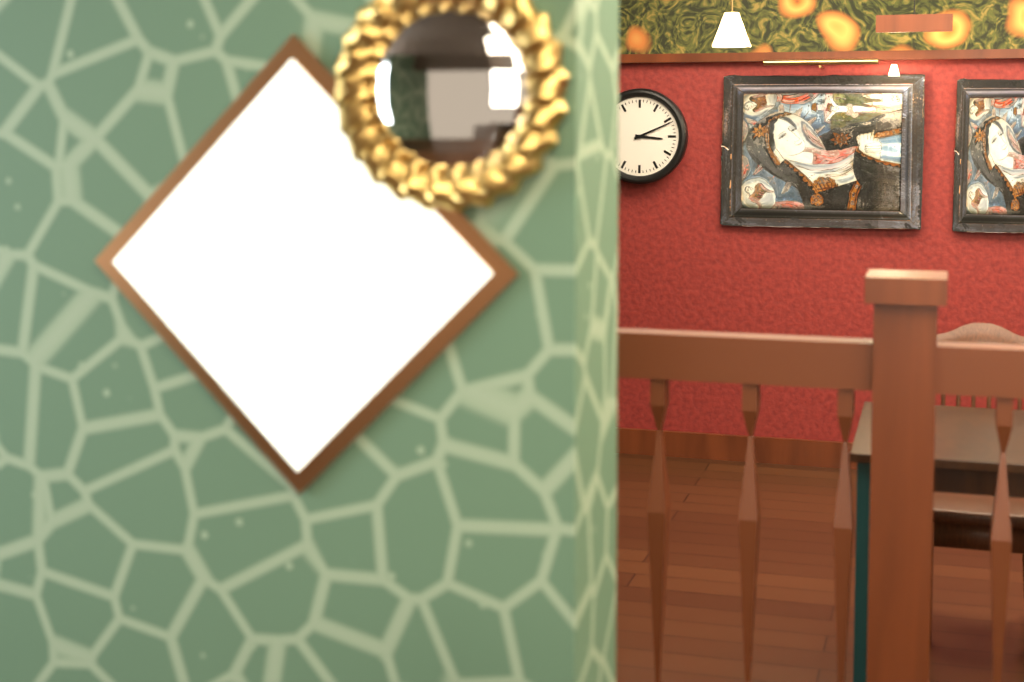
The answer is 3:11
